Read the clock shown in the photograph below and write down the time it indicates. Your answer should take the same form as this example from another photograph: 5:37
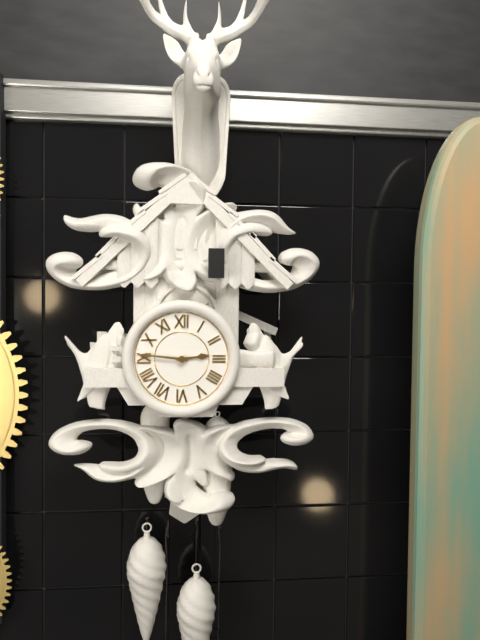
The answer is 2:46
